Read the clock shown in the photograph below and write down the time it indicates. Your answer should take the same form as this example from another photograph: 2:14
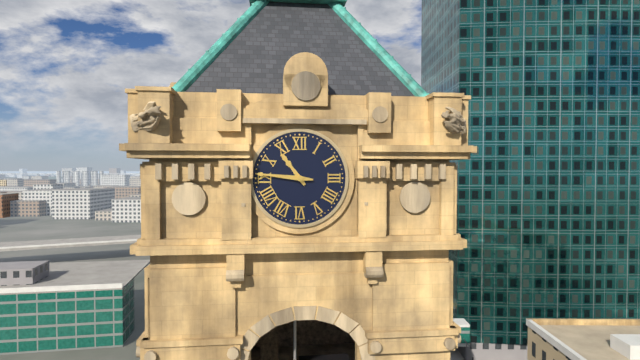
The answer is 10:46
